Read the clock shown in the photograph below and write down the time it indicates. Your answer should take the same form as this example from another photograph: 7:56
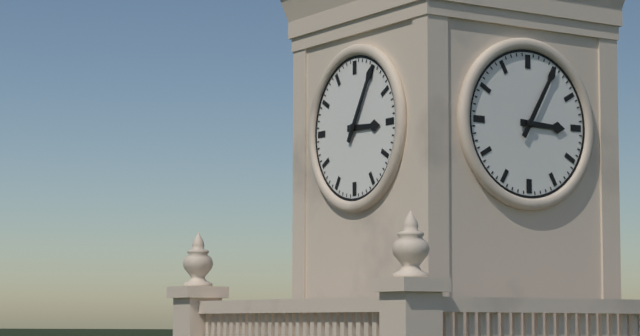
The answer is 3:05
